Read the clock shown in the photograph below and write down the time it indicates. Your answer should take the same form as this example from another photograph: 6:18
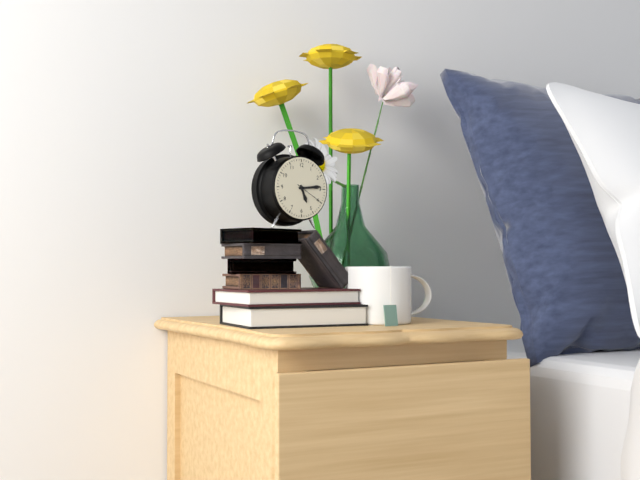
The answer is 5:14
